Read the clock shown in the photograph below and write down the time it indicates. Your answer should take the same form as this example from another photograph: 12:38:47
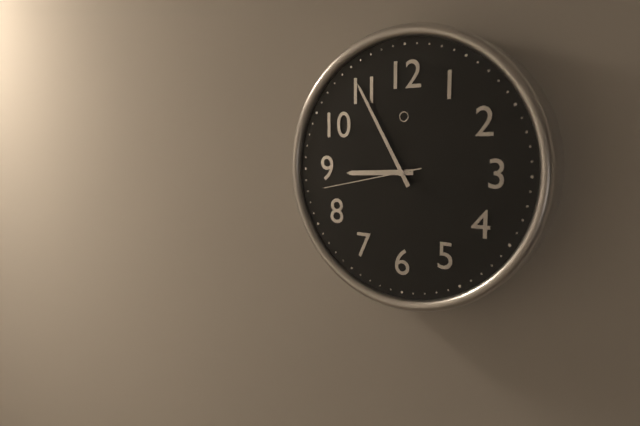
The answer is 8:55:43
